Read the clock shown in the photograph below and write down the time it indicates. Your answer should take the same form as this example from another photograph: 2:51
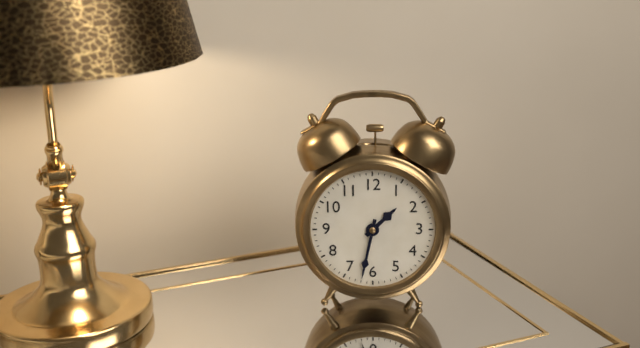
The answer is 1:32
